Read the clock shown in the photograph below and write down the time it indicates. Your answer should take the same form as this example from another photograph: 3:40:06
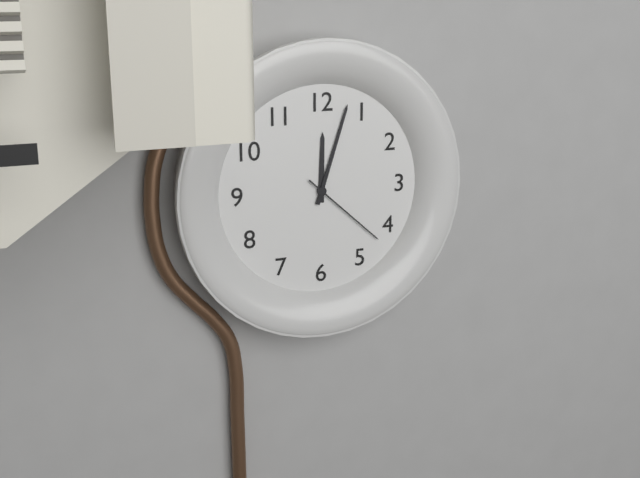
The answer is 12:03:22
